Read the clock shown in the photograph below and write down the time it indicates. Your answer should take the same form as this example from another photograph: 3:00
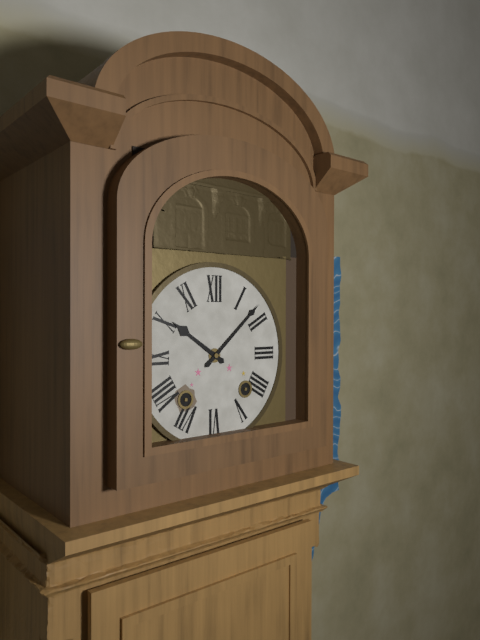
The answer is 10:08
